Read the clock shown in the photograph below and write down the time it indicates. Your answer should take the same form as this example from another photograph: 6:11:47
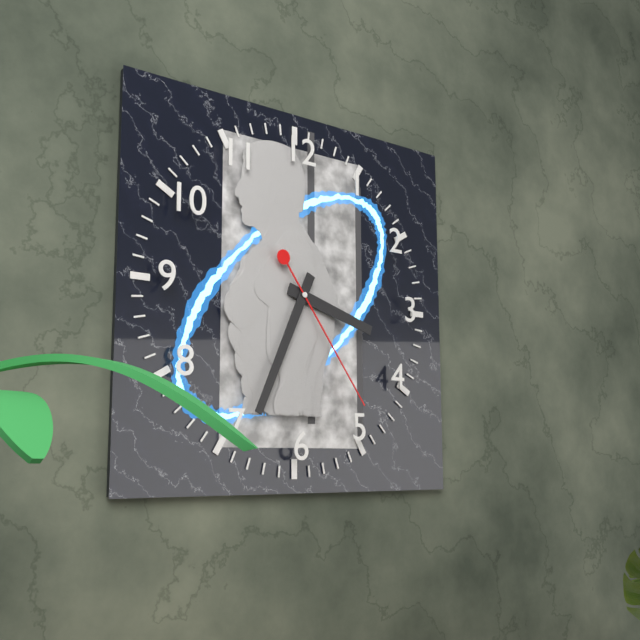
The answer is 3:34:24
